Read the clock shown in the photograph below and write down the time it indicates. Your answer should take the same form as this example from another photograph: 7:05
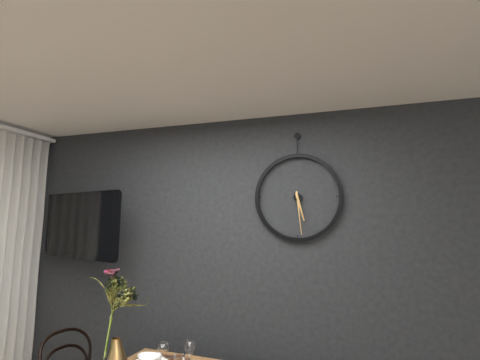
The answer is 5:29
